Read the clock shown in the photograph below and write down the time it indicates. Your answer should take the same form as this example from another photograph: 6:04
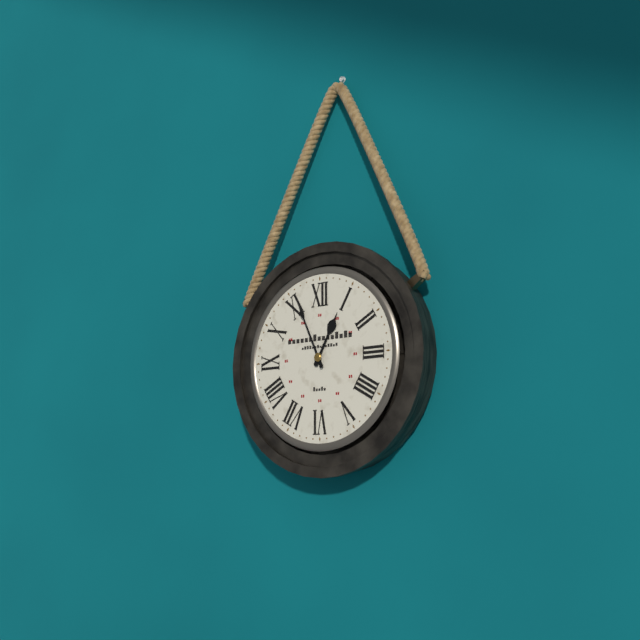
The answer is 12:56
